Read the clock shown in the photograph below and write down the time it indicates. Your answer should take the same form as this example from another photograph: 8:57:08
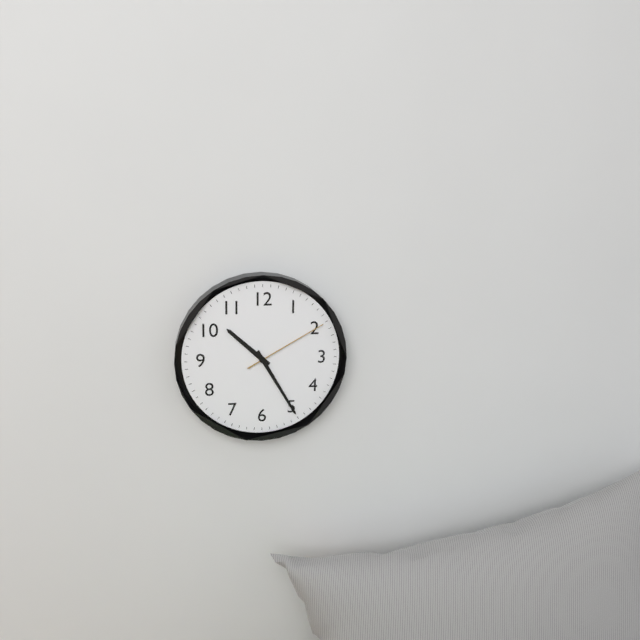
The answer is 10:25:10
